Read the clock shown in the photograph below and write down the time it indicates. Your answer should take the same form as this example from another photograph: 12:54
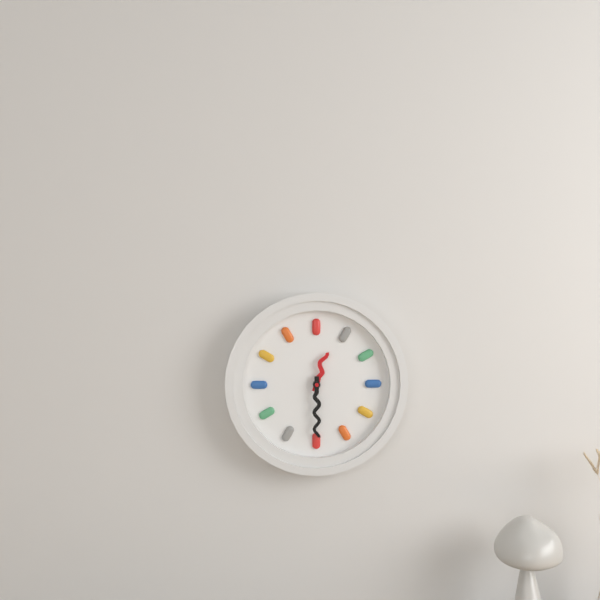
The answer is 12:30
